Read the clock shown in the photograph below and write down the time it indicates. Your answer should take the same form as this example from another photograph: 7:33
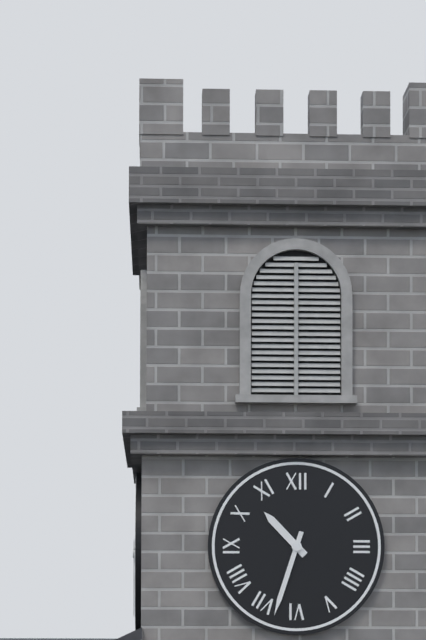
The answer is 10:33
